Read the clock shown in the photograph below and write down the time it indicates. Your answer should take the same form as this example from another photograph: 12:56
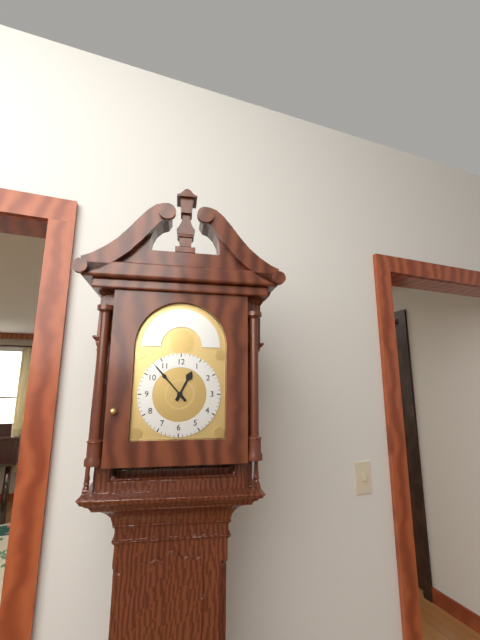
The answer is 12:53
